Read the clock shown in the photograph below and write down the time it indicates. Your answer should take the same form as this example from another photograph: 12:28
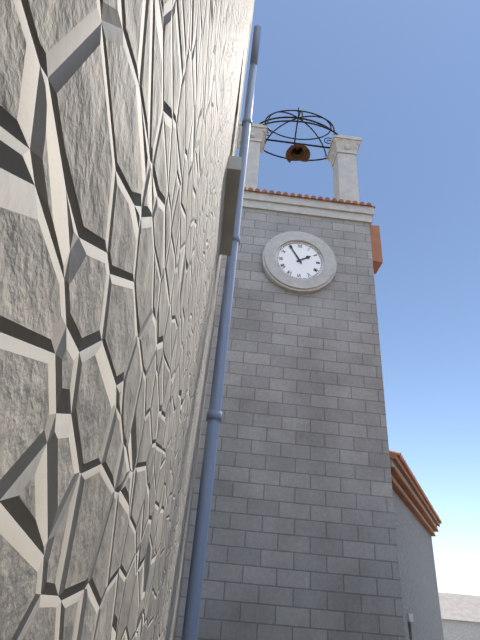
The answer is 1:55
